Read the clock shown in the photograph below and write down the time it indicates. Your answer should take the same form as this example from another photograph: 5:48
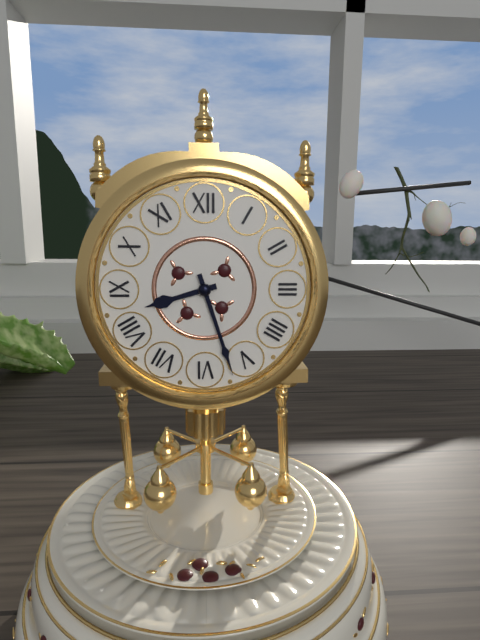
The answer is 8:27
